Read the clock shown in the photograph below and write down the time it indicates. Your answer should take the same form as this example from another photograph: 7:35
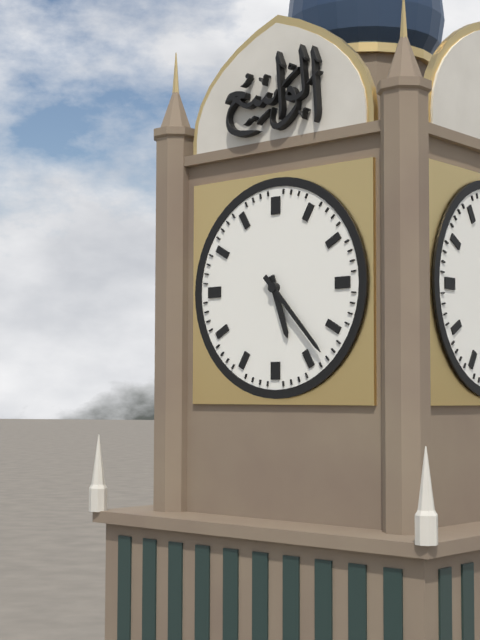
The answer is 5:23
